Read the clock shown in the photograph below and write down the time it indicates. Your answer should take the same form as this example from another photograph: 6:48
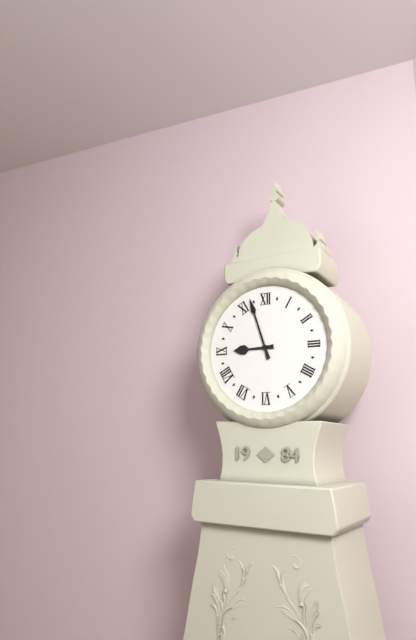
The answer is 8:57
